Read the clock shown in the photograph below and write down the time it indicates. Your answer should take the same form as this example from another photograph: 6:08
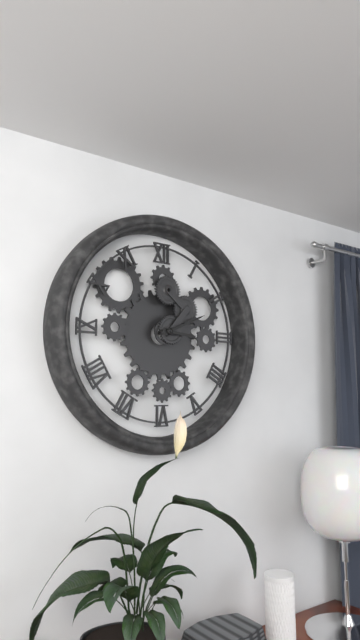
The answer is 3:11
